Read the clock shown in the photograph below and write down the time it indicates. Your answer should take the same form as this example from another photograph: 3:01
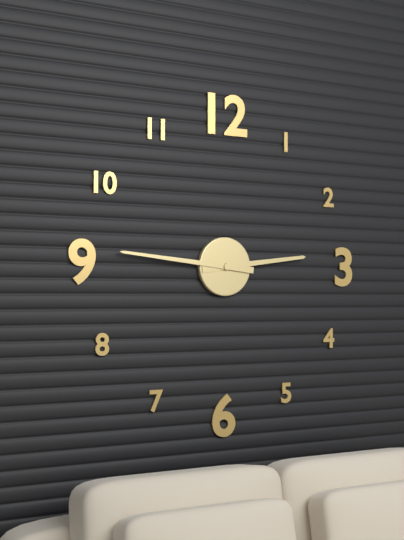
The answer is 2:46
